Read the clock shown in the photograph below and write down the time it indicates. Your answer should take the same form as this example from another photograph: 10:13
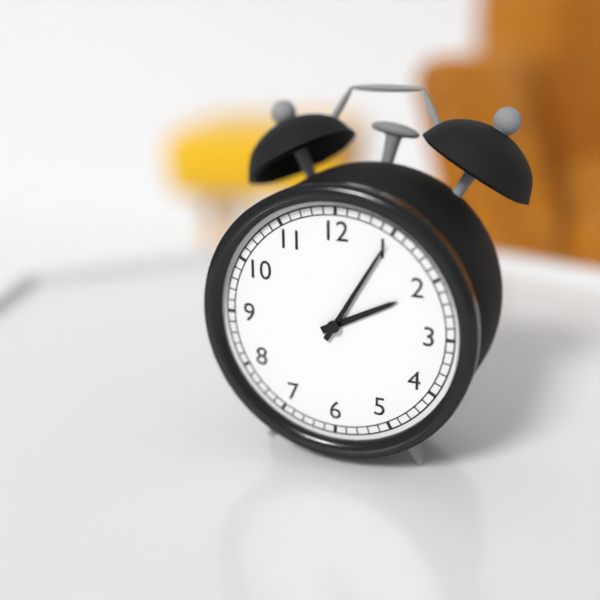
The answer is 2:05
